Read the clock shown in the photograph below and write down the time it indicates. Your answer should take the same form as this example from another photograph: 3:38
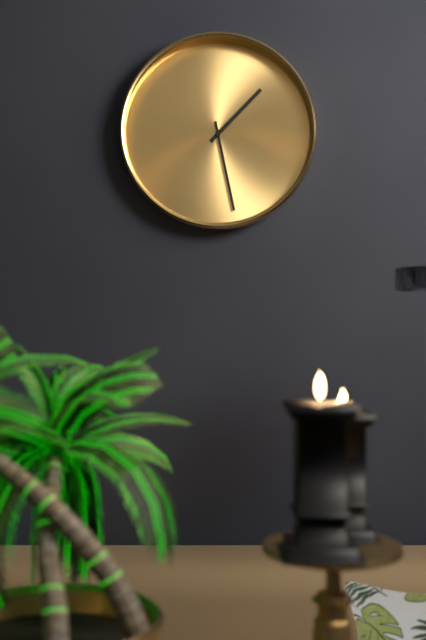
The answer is 1:28
